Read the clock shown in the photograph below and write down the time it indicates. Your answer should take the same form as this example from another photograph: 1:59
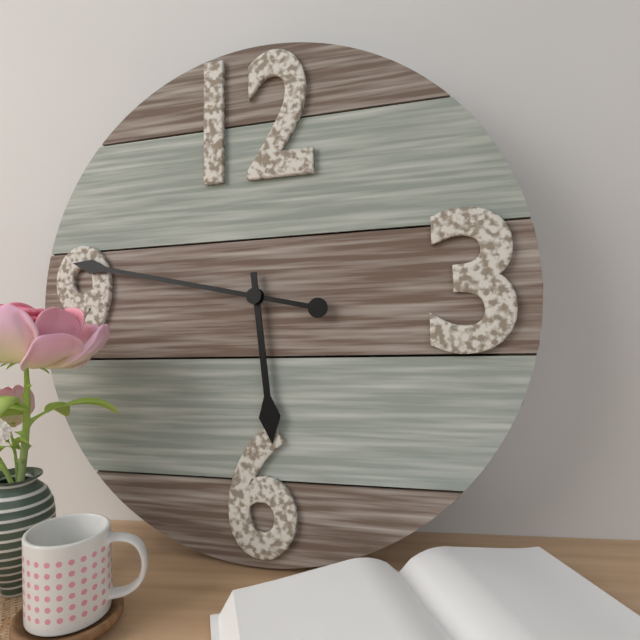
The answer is 5:47
